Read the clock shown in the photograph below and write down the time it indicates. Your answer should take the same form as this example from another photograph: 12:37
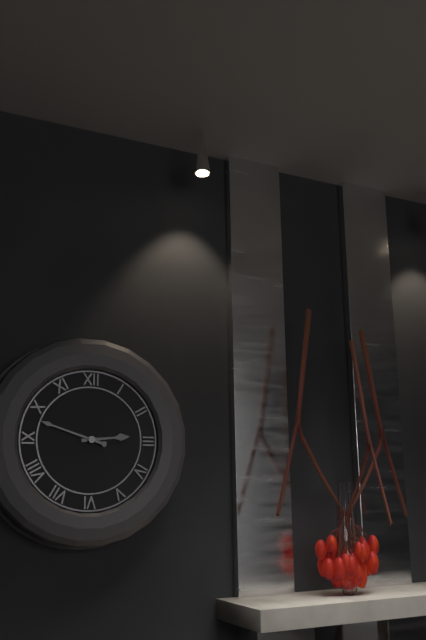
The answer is 2:48
